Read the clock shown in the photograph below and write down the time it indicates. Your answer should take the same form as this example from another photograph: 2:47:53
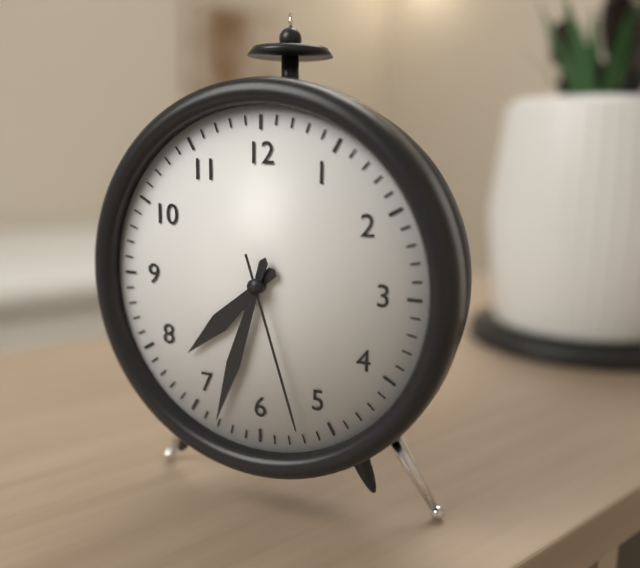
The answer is 7:33:27
